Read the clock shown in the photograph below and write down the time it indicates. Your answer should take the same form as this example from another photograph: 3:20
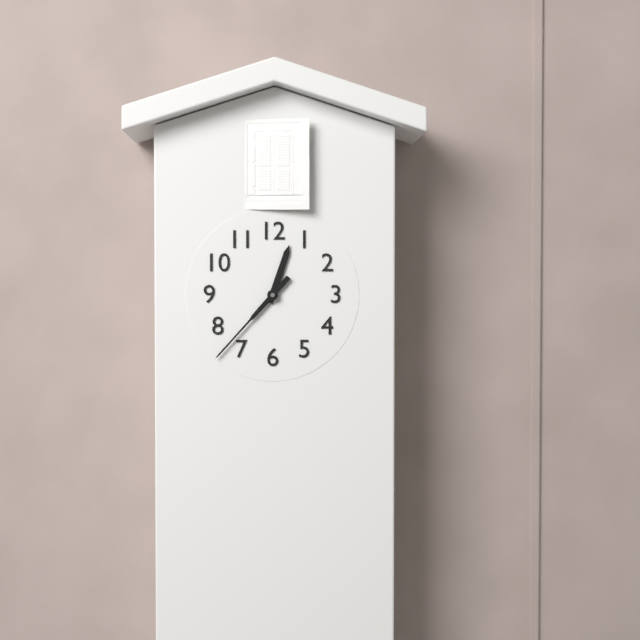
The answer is 12:37
